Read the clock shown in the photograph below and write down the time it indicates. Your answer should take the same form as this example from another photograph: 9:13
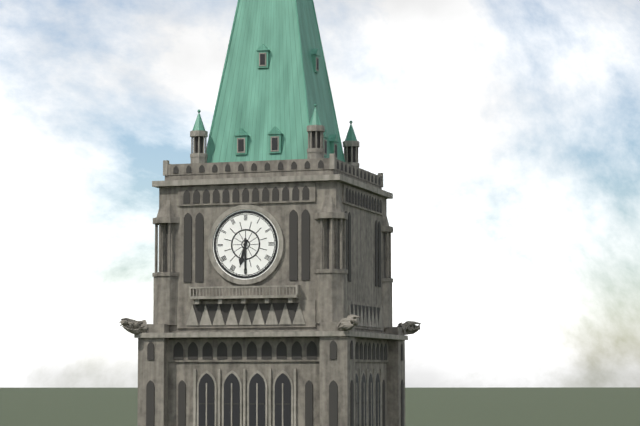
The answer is 6:30
